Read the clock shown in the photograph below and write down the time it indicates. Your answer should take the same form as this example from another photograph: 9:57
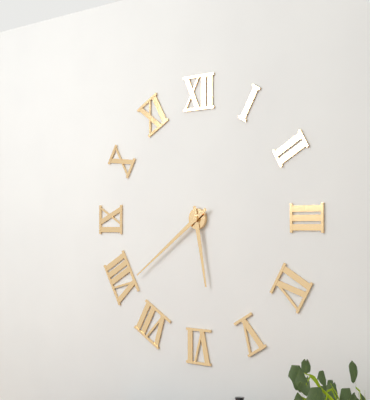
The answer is 5:39
